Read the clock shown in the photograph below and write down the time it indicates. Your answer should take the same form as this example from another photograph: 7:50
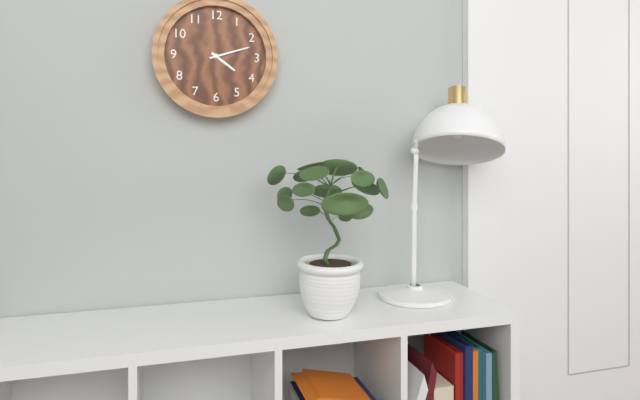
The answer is 4:12
